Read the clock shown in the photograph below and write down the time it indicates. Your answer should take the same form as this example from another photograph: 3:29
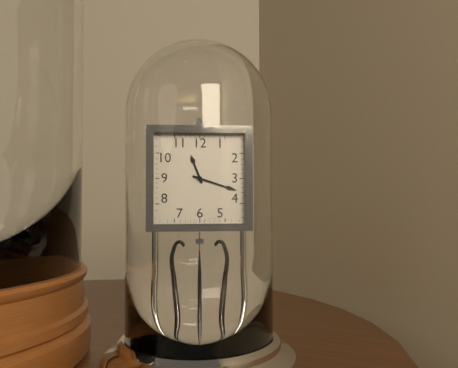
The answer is 11:18
